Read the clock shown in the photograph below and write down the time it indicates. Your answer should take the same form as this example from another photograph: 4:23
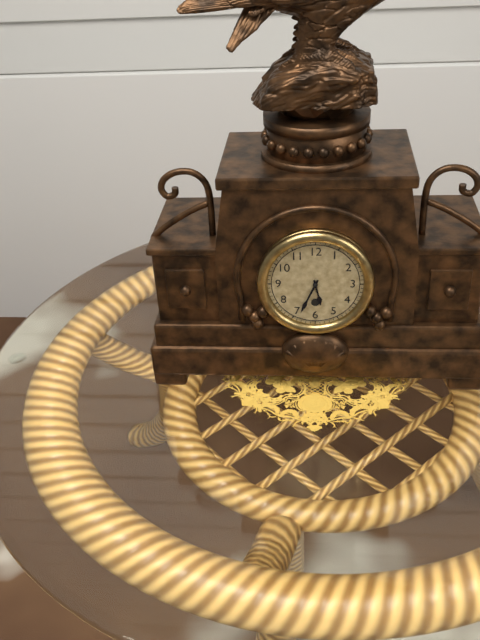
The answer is 5:34
